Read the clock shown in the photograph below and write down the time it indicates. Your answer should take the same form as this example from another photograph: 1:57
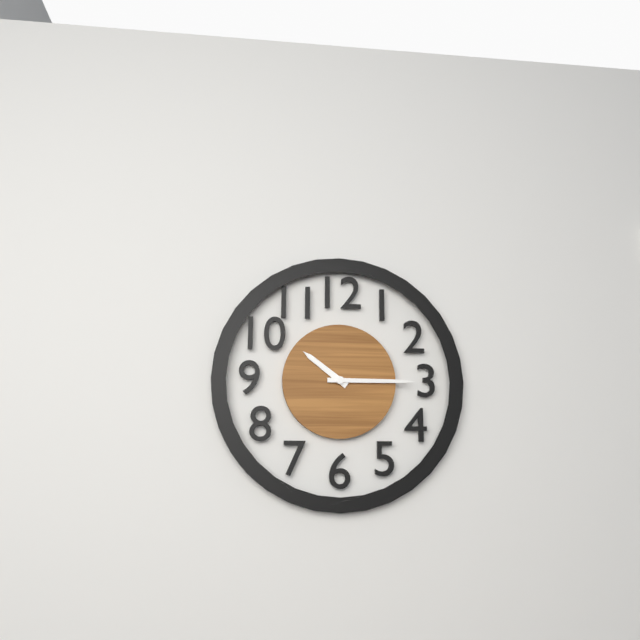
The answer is 10:15
